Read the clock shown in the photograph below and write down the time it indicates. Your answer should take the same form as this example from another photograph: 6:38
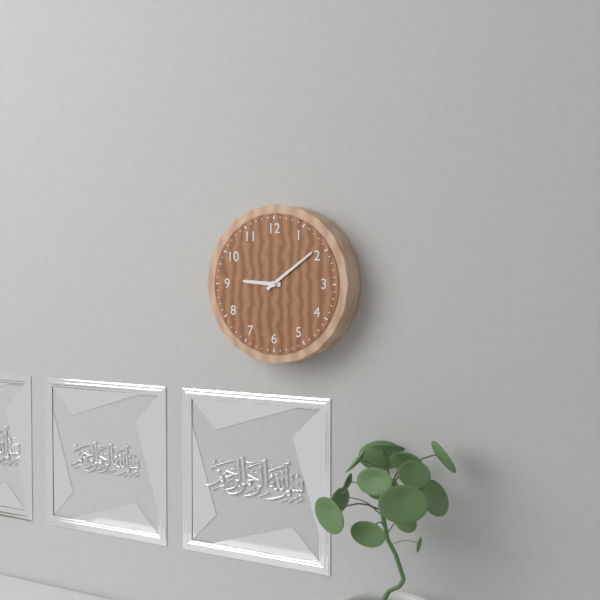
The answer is 9:09
